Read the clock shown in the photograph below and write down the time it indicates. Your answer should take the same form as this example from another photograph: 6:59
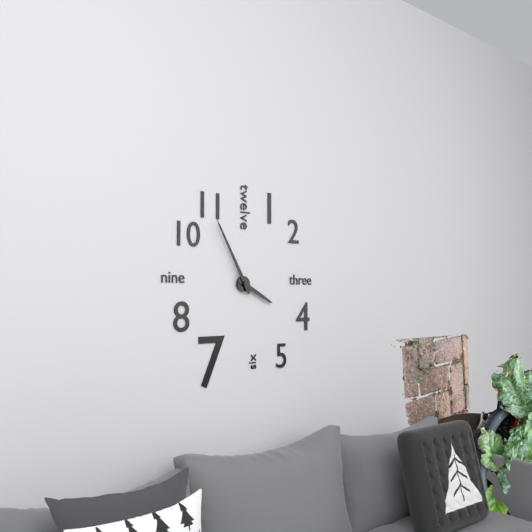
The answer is 3:55
